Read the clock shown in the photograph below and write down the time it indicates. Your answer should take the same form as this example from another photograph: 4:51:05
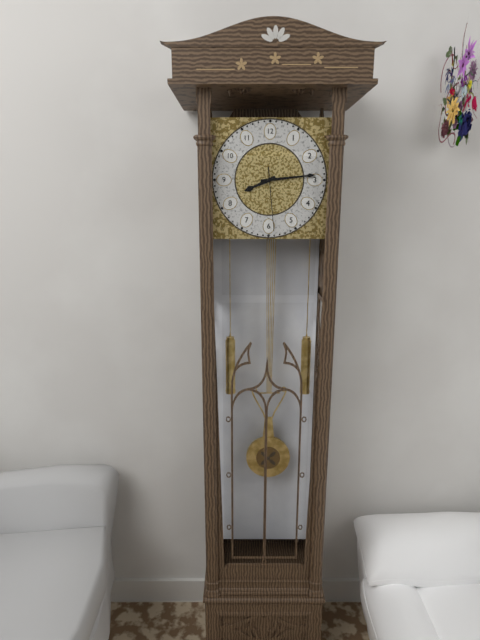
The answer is 8:14:29
